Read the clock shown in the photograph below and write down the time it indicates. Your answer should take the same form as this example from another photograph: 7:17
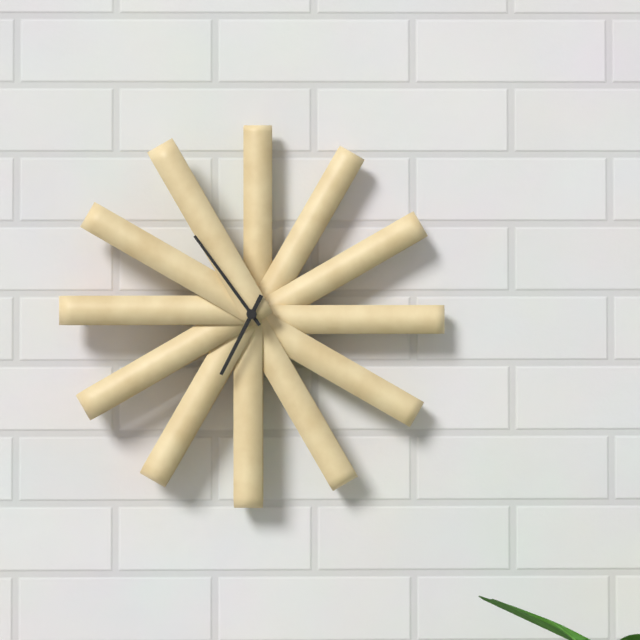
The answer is 6:54
